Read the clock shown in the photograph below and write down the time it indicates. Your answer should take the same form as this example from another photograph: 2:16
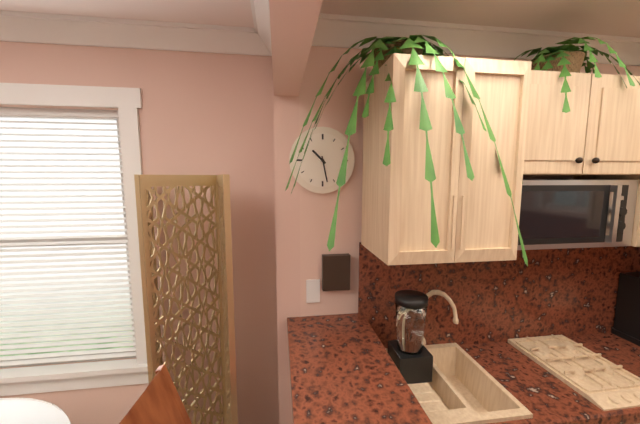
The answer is 10:28
